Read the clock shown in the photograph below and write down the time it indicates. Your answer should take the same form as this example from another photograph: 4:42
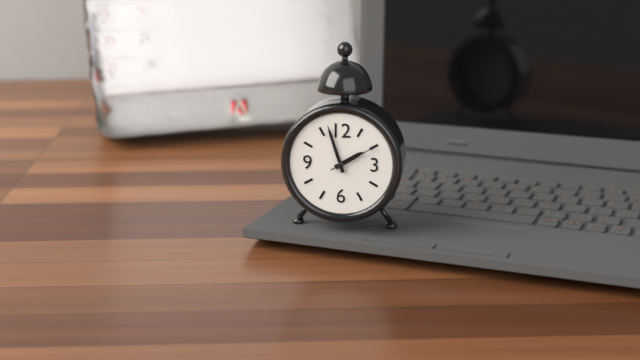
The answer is 1:57
